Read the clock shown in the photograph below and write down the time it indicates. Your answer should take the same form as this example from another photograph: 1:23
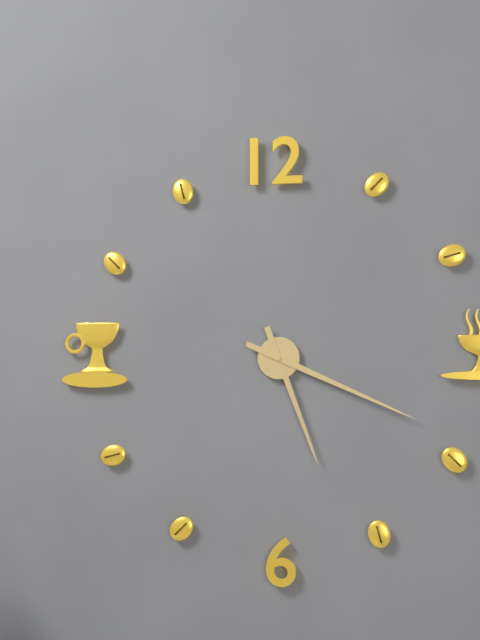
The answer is 5:19
